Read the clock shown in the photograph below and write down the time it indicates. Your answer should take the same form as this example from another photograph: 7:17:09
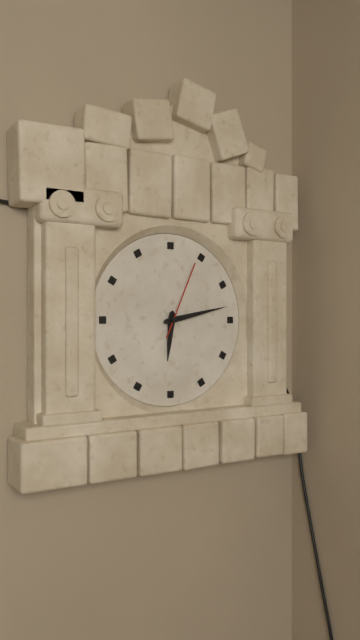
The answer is 6:13:04
